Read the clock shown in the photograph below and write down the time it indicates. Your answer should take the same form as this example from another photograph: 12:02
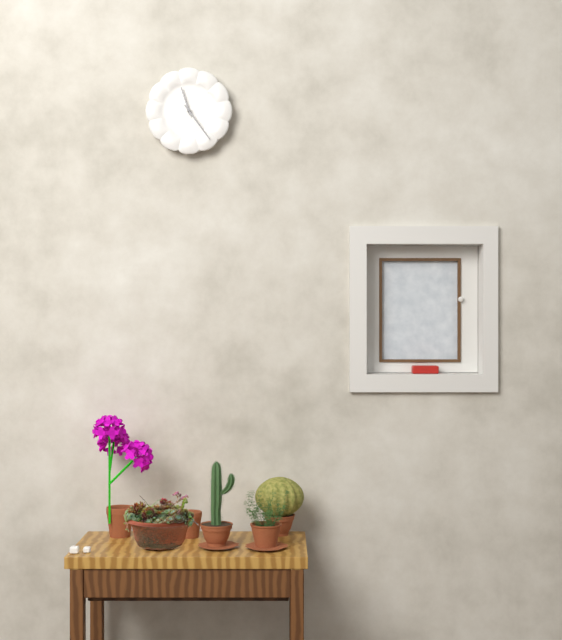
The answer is 11:24
